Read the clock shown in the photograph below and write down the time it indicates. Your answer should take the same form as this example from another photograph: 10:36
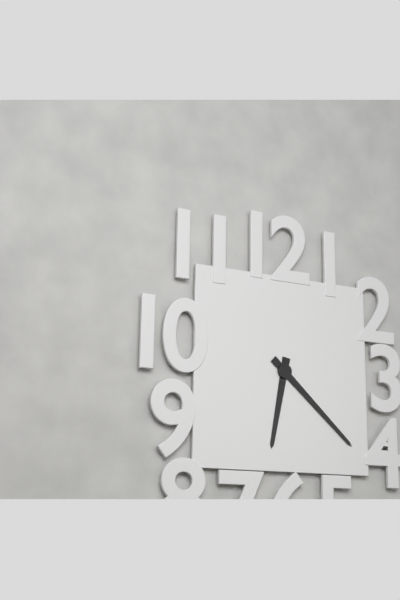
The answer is 6:22
